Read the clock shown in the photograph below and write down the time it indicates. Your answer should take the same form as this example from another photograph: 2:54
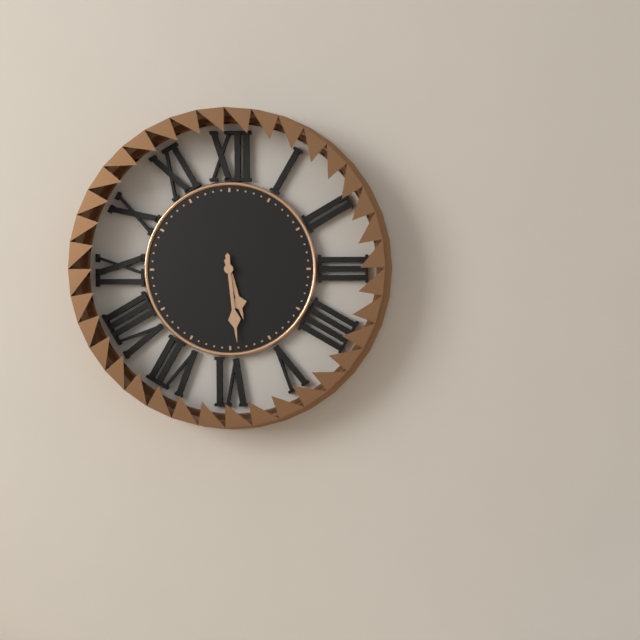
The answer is 5:29
